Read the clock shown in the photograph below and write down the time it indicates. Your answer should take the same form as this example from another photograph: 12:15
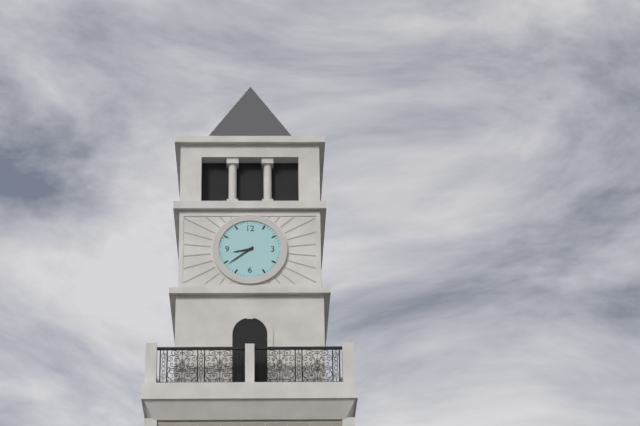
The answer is 8:39
